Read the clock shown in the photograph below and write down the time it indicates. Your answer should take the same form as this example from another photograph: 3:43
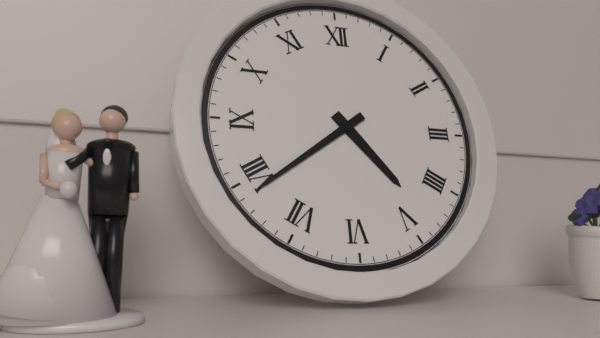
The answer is 4:39
